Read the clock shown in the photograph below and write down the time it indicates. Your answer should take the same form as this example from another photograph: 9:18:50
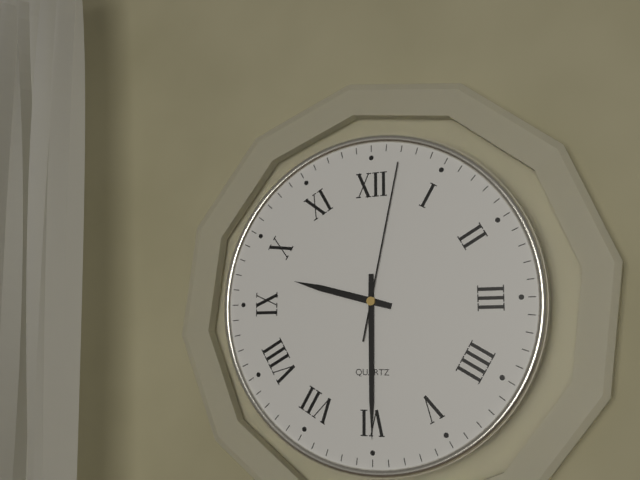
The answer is 9:30:02
